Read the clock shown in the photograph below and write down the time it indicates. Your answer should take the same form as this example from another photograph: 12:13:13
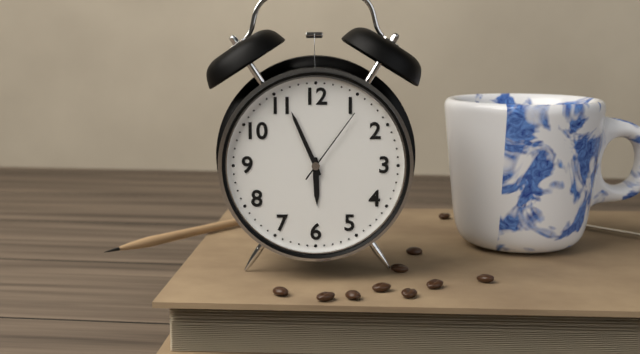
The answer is 5:56:06
